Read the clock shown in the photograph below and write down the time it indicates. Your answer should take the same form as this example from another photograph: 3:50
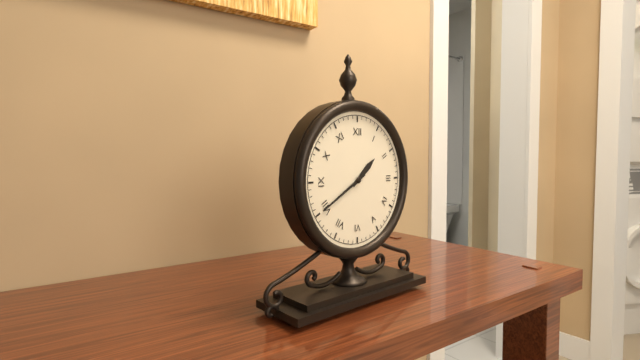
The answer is 1:40
